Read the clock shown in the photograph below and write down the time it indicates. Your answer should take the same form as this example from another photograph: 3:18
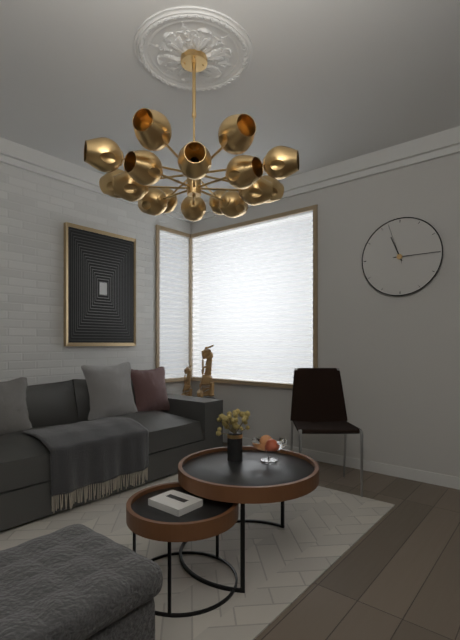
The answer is 11:15
